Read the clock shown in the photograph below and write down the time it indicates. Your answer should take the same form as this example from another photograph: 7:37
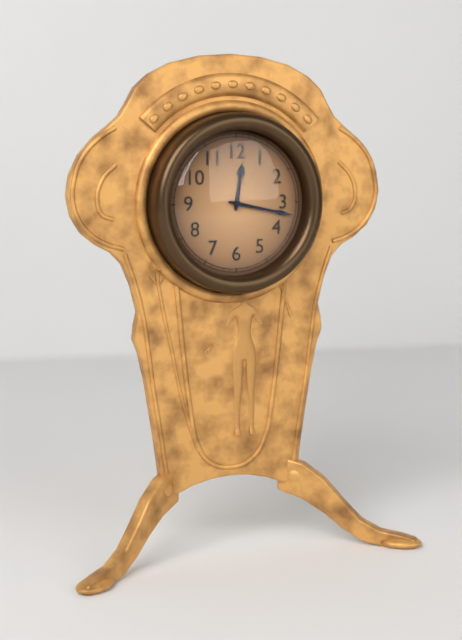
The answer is 12:17
